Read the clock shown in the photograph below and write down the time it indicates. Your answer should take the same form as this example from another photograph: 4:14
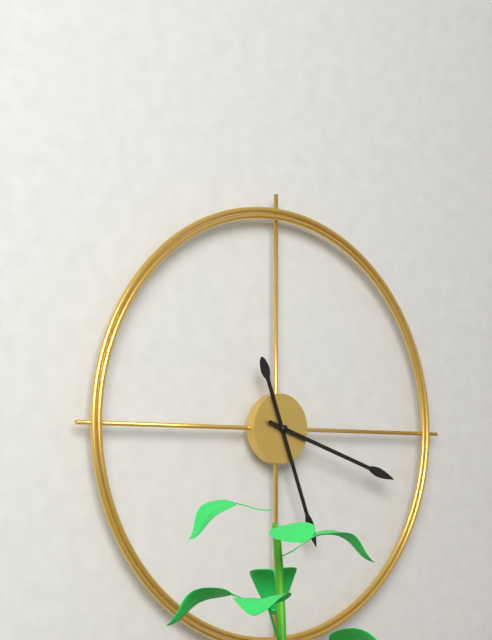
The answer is 5:18
